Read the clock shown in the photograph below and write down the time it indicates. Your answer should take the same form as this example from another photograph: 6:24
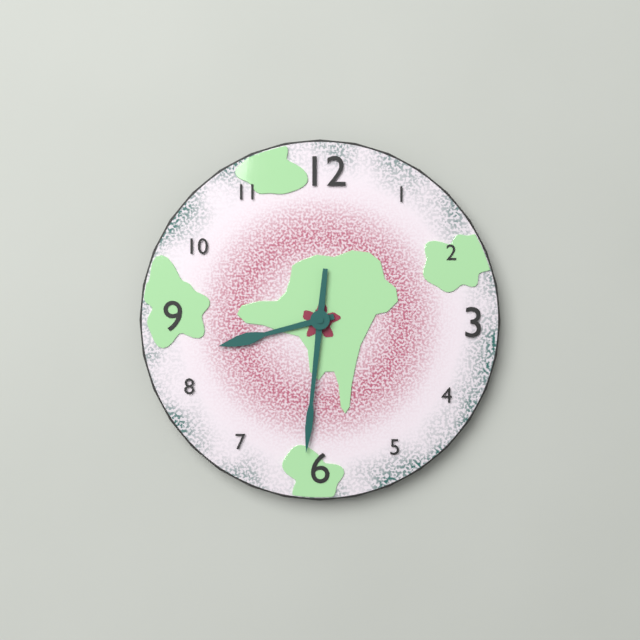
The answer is 8:31
